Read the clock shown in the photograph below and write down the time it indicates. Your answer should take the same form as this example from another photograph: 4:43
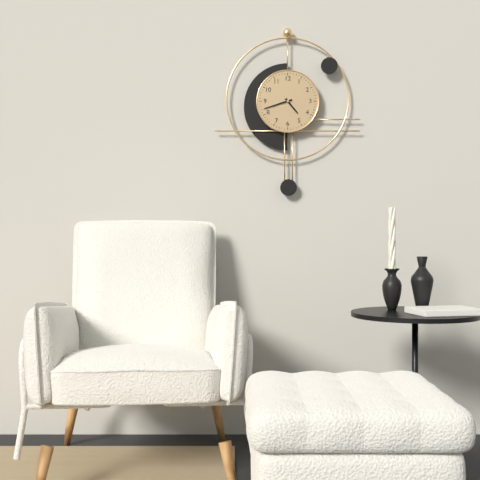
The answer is 4:42
